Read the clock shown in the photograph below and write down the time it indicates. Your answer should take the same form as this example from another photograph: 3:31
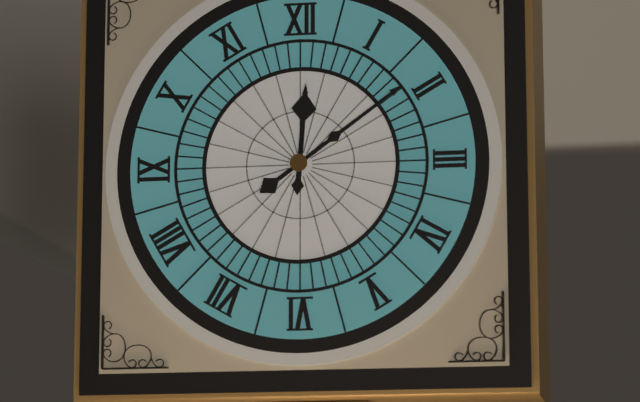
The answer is 12:09
